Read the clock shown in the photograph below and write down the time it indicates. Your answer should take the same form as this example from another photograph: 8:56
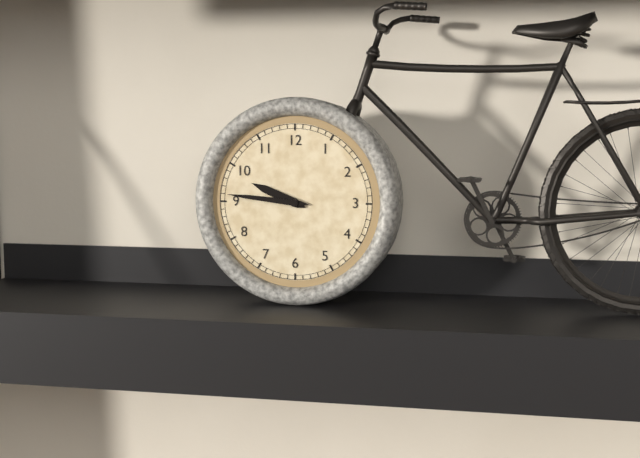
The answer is 9:46
